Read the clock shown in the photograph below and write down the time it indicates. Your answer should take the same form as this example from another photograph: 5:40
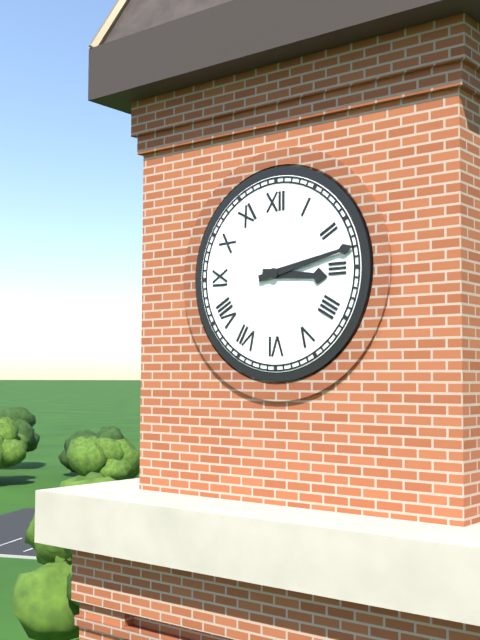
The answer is 3:13
